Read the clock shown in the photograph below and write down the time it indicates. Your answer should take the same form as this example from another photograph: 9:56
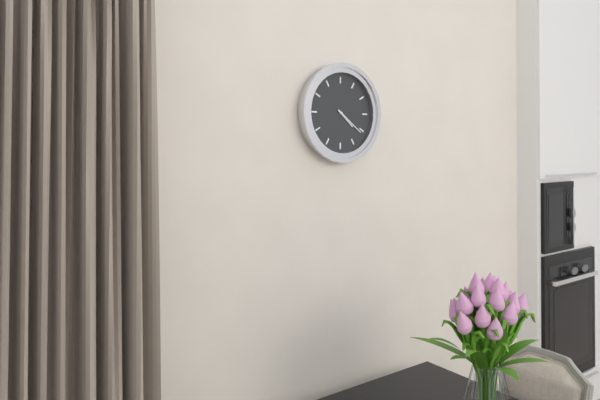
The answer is 4:21
